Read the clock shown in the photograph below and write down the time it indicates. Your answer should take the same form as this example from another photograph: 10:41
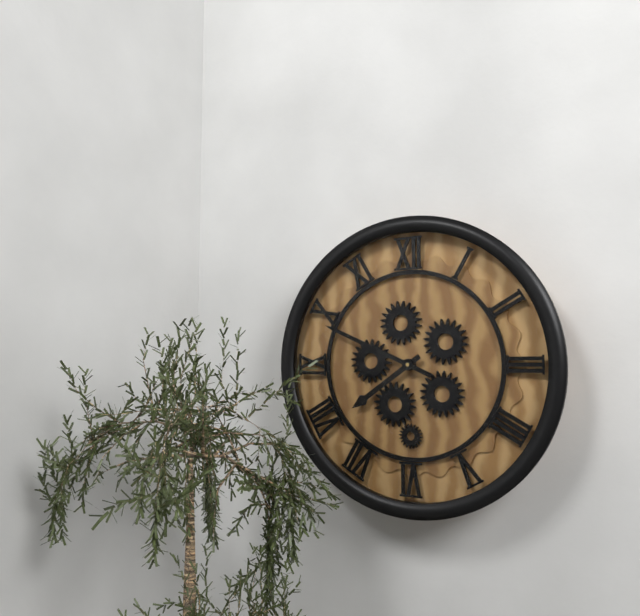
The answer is 7:49
